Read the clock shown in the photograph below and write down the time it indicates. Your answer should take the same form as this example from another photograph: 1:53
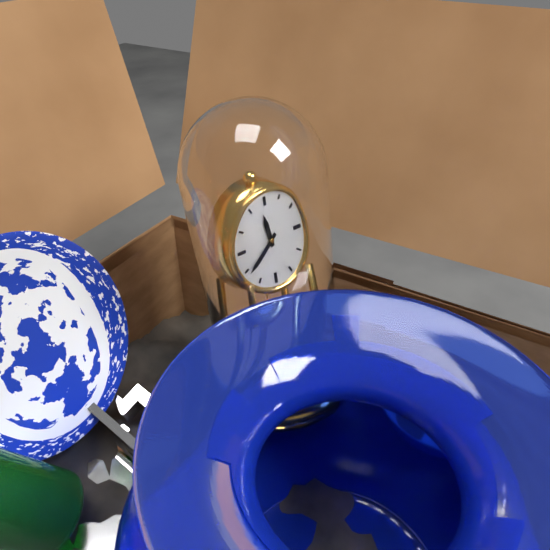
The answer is 11:39
